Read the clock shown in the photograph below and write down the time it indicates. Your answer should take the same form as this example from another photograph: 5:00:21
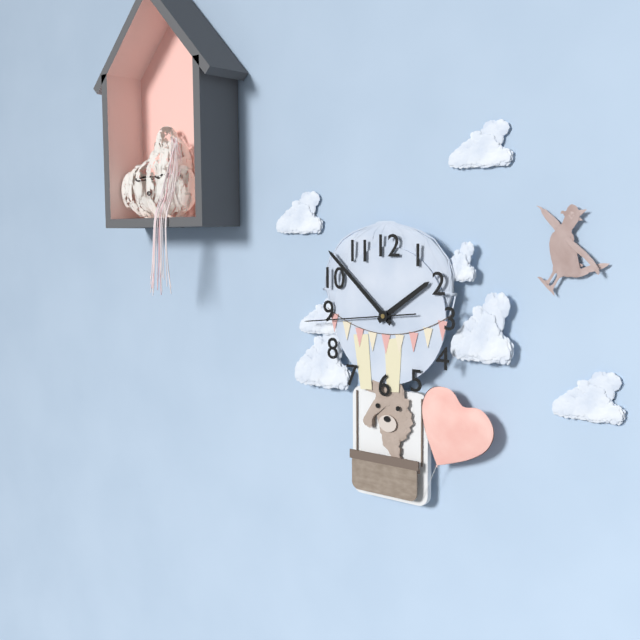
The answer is 1:52:44
